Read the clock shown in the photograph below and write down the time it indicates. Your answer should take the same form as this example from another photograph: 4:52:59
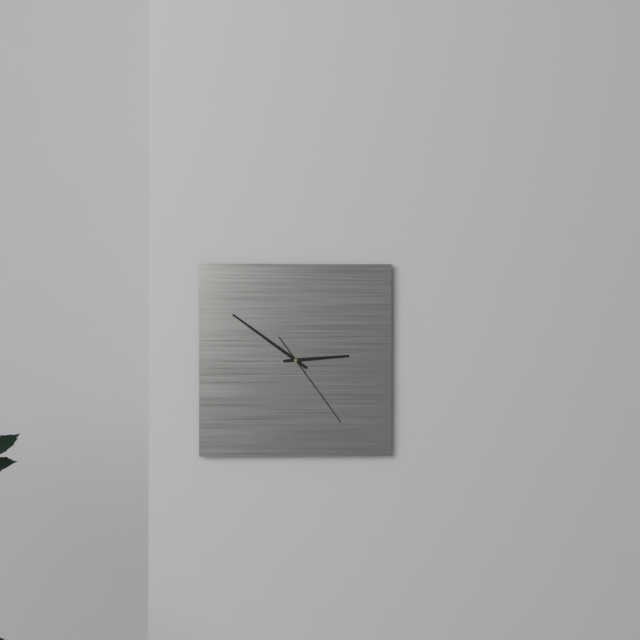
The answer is 2:51:24
